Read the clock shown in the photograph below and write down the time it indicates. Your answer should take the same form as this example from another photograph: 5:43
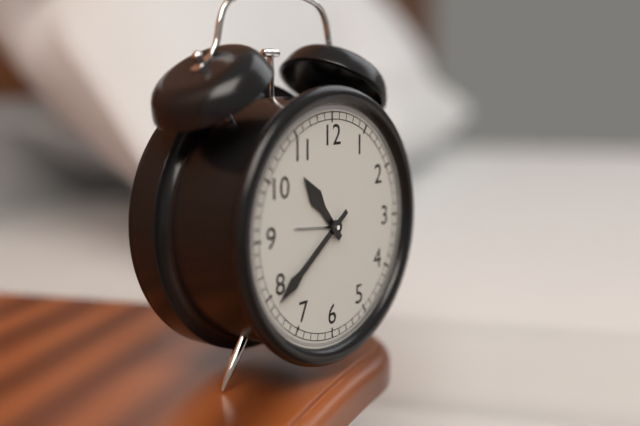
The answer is 10:39
